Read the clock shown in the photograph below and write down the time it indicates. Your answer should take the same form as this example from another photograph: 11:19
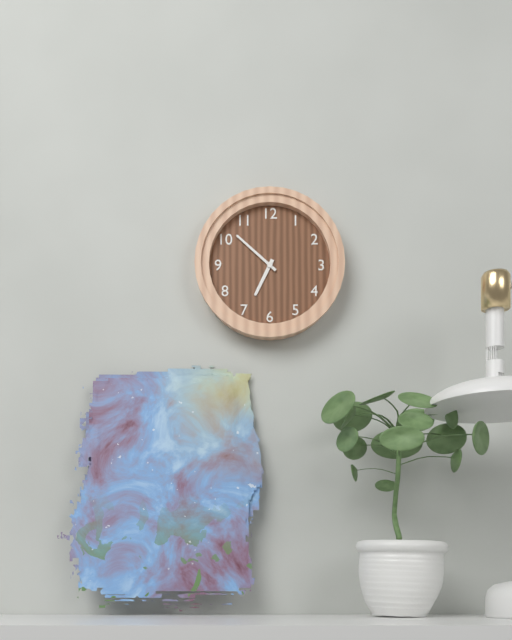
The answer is 6:52
